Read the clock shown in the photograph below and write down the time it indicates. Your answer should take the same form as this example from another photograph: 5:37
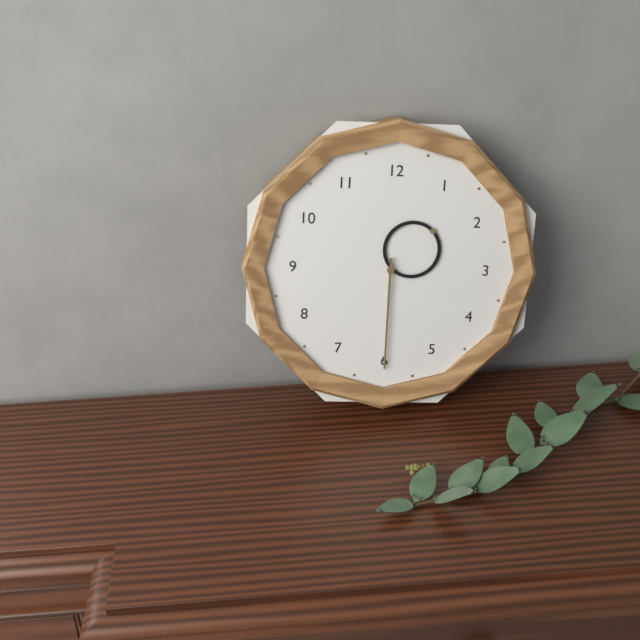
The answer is 1:30
